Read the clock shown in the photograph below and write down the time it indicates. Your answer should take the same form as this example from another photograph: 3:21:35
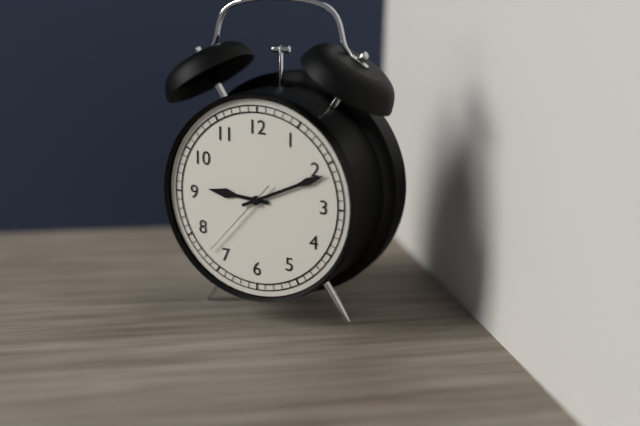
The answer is 9:11:37
